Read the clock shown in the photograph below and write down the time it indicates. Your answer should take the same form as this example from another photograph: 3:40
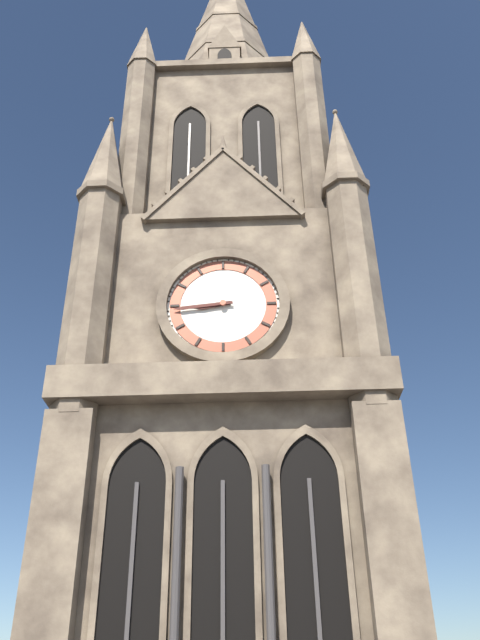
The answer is 8:44
